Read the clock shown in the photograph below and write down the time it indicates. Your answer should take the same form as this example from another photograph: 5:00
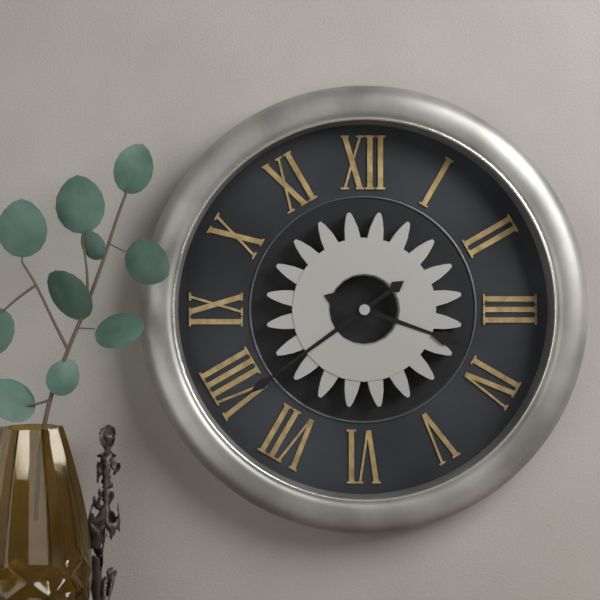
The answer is 3:39
